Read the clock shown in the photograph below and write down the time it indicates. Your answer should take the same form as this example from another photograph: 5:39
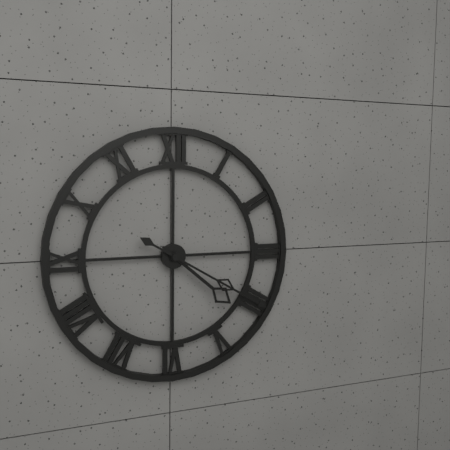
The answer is 4:20
